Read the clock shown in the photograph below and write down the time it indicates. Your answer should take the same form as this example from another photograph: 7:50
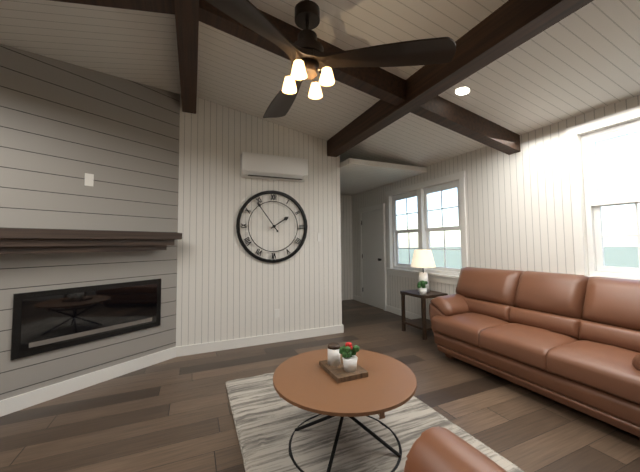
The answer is 1:54
